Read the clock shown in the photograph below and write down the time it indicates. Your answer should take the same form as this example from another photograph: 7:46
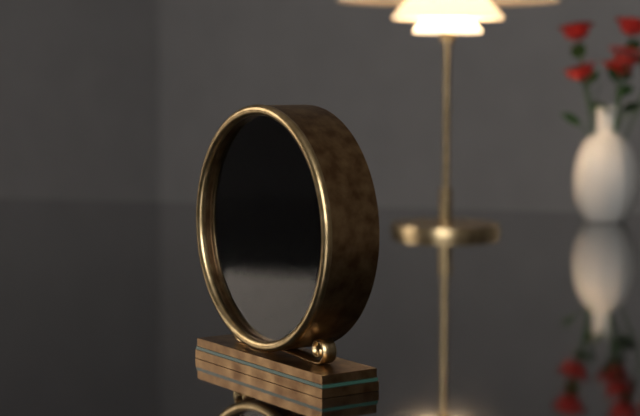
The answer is 8:16
